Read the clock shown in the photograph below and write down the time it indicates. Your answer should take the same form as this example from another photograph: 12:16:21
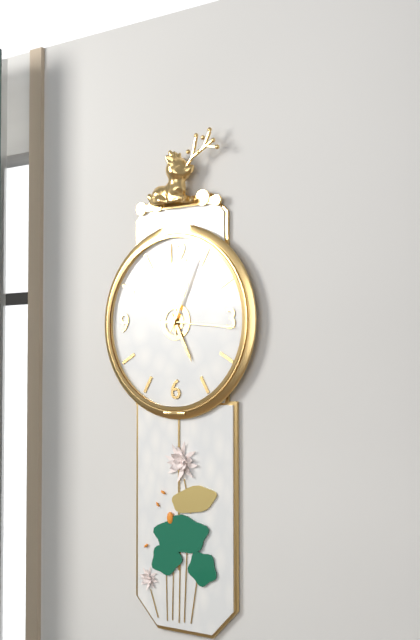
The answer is 5:04:16
